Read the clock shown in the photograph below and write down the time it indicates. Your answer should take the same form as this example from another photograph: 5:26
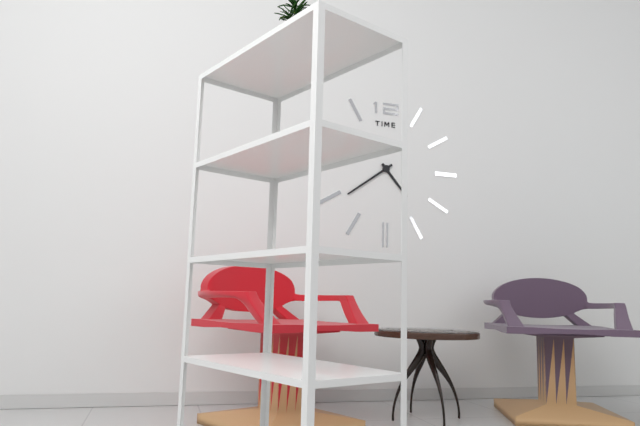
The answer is 4:39
